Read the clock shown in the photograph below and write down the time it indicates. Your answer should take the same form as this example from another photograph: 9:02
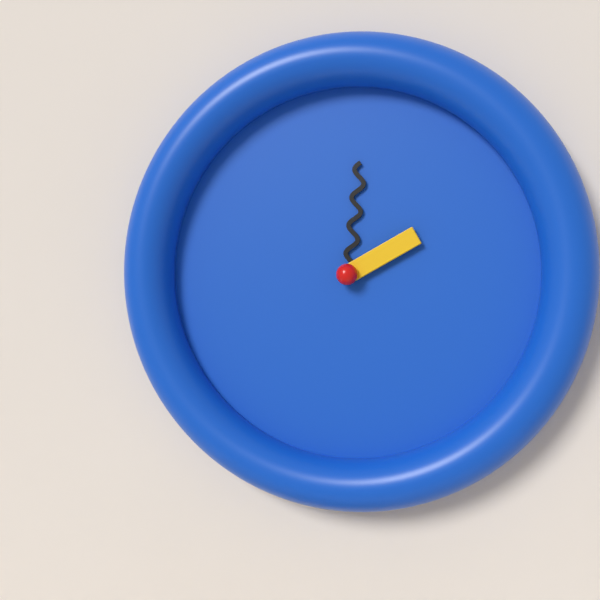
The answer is 2:01
